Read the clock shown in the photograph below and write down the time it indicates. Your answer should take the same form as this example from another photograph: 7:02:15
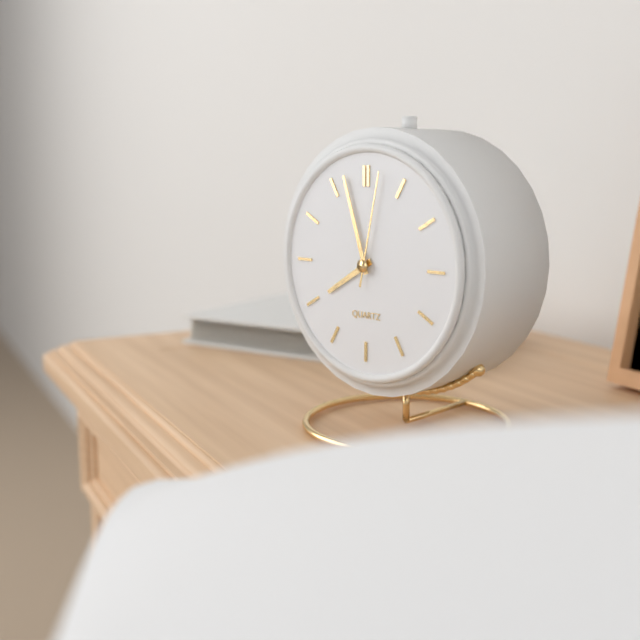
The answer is 7:57:02
